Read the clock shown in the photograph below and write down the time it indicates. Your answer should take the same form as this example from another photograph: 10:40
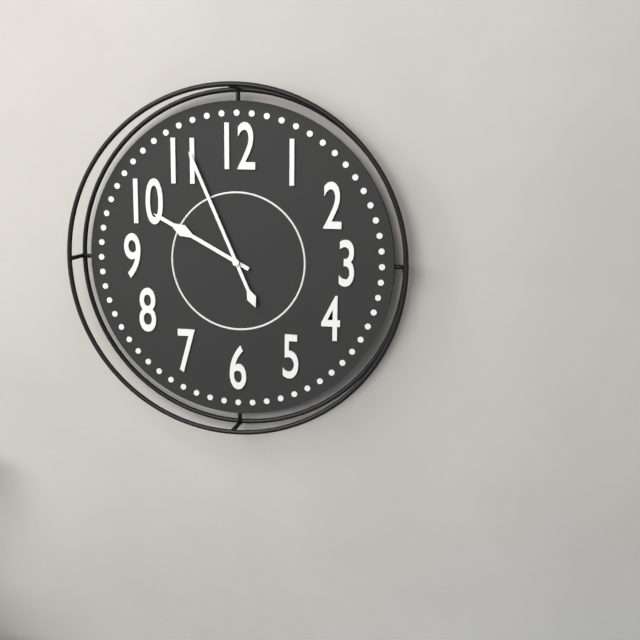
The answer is 9:56
